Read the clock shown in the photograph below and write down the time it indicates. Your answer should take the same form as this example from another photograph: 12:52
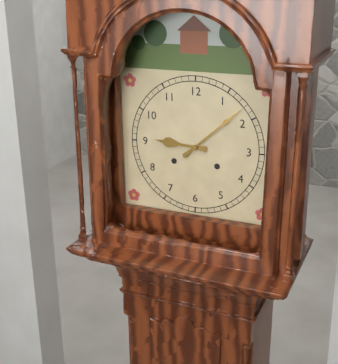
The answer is 9:08
